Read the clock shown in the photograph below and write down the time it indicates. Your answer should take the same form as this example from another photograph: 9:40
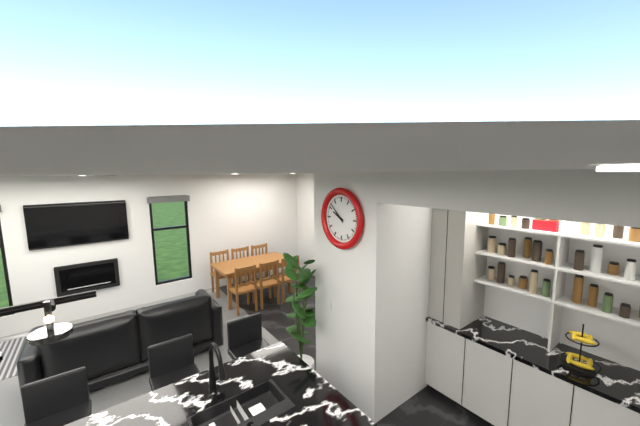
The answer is 9:52
